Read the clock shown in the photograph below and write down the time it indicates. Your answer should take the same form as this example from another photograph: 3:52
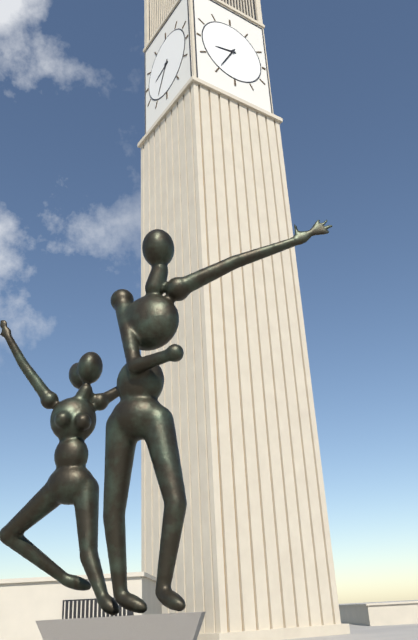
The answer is 8:35
